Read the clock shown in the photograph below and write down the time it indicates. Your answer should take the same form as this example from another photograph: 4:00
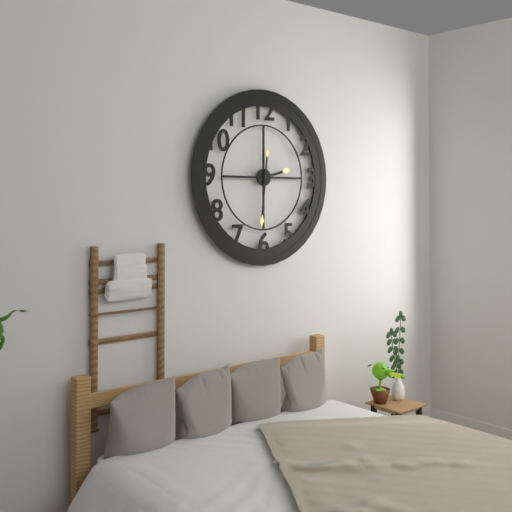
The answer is 2:31
